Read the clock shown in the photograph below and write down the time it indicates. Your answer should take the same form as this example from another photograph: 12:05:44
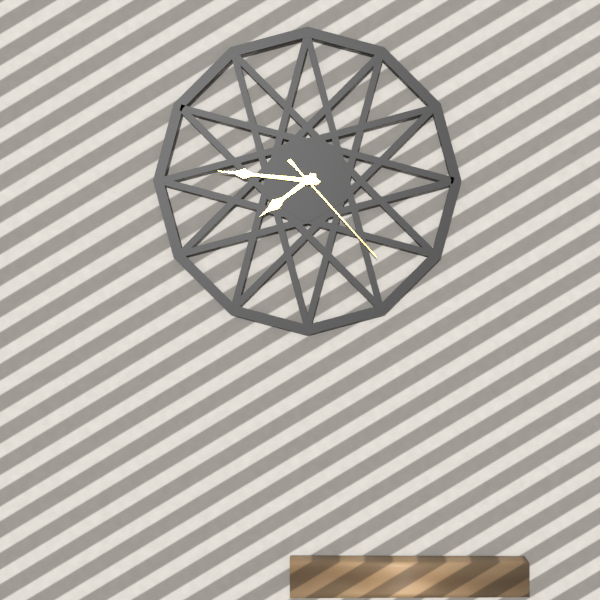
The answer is 7:46:23
